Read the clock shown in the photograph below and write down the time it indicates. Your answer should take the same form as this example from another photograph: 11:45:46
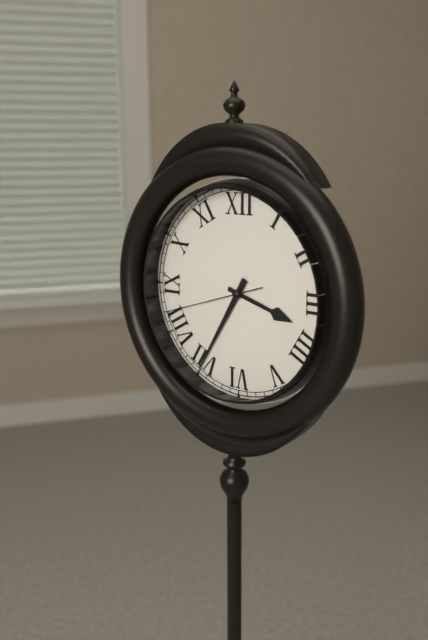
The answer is 3:35:42
